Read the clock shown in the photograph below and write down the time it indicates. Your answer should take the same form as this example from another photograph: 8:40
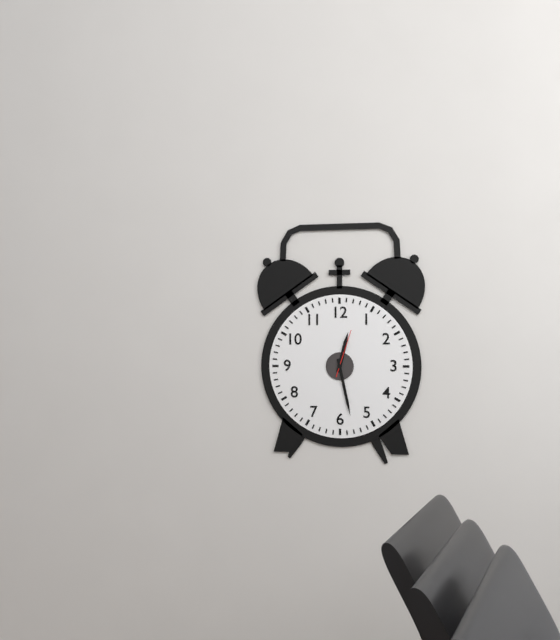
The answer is 12:28
